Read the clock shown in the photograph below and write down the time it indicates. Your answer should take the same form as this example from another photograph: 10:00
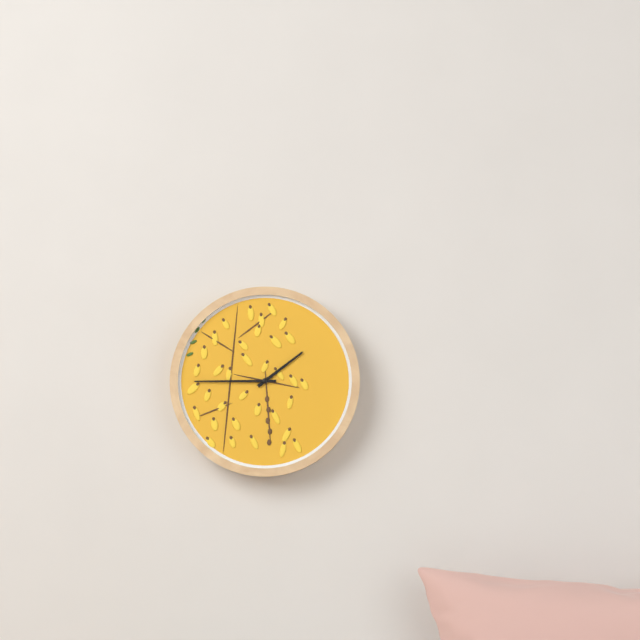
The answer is 1:45
